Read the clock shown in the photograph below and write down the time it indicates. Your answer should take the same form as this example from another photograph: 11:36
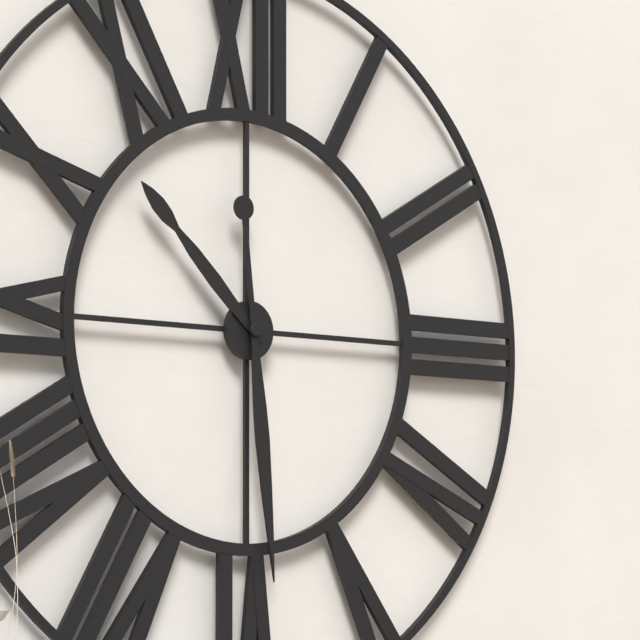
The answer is 10:29
